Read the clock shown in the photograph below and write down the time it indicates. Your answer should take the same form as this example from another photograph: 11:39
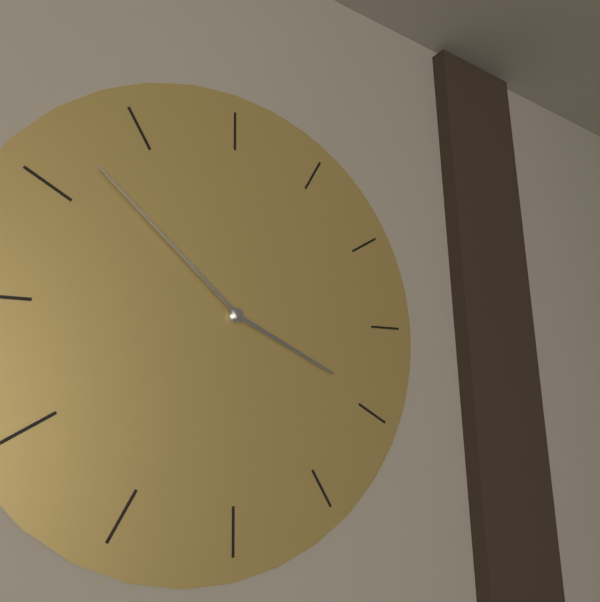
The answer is 3:52
